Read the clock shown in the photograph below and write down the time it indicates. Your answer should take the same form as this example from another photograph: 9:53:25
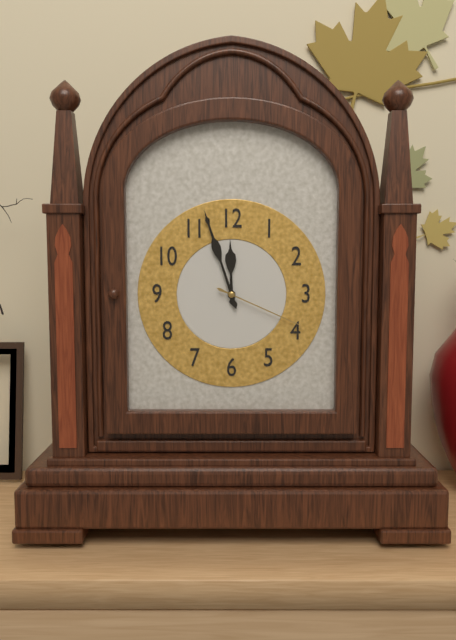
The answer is 11:57:19
